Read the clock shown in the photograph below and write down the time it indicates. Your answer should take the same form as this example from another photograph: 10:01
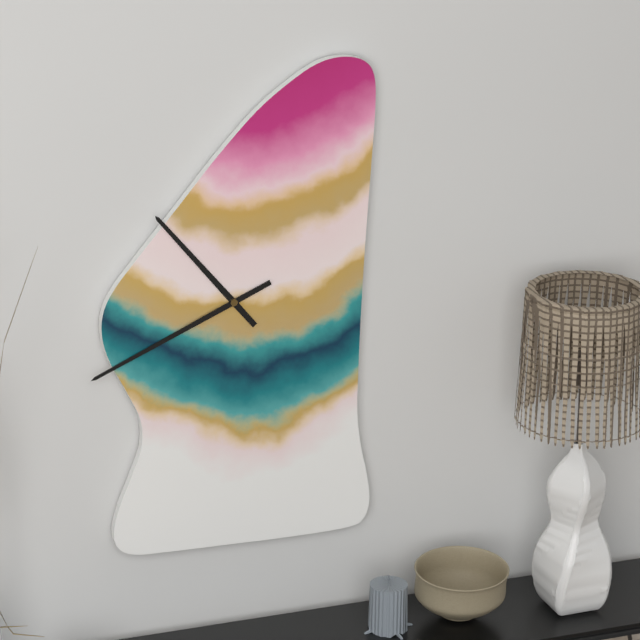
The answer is 10:41
